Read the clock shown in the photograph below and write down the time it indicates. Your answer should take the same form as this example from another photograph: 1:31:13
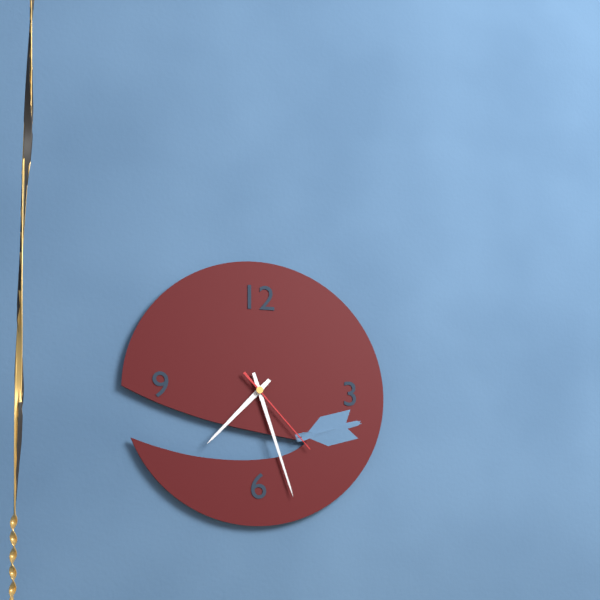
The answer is 7:27:23
